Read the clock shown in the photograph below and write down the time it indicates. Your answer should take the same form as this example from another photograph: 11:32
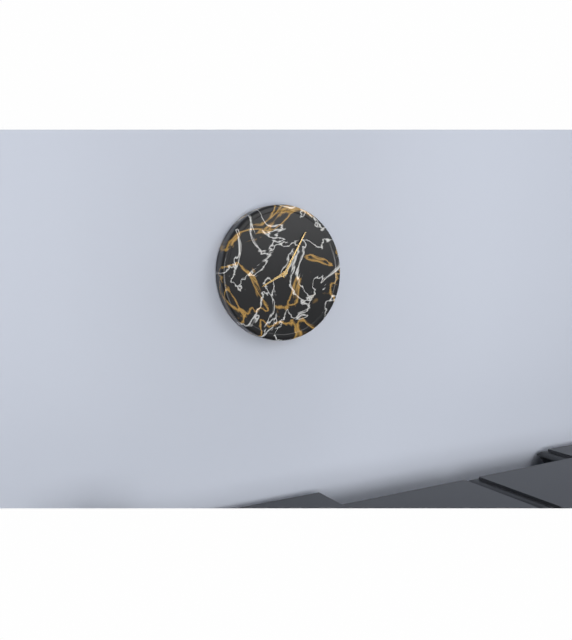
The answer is 8:05
